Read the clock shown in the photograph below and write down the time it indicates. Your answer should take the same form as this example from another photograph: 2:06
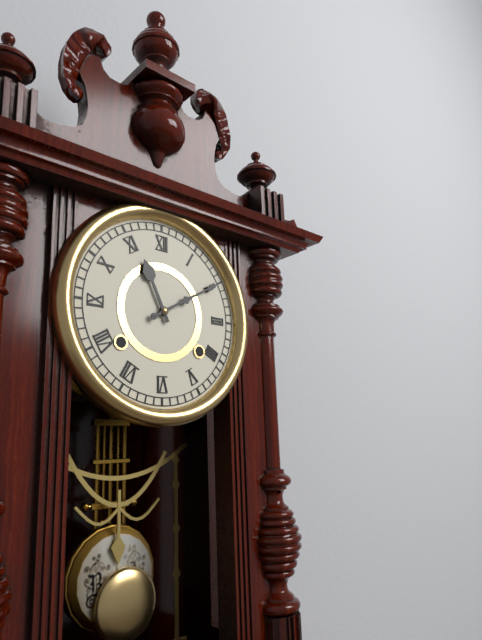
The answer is 11:10
